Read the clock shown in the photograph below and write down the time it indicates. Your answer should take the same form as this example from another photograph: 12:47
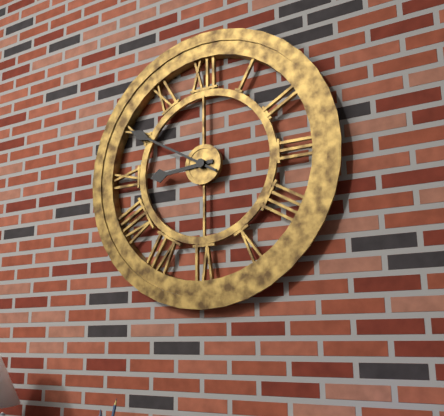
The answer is 8:50
